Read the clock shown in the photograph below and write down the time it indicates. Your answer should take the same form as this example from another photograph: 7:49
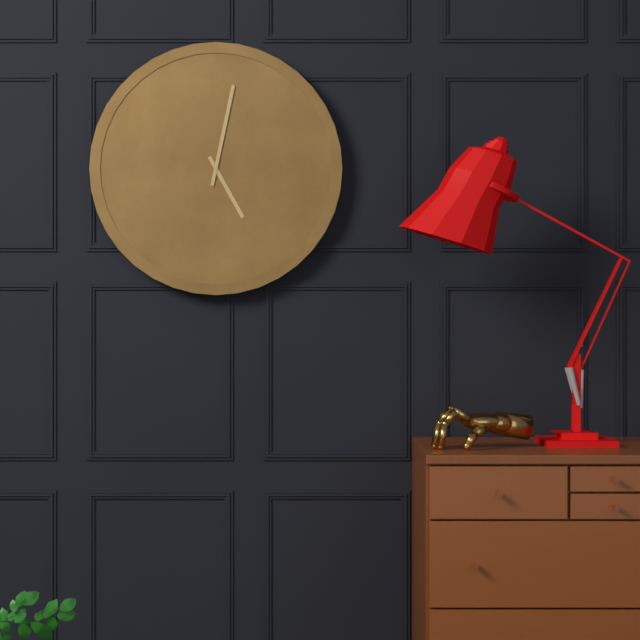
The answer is 5:02
